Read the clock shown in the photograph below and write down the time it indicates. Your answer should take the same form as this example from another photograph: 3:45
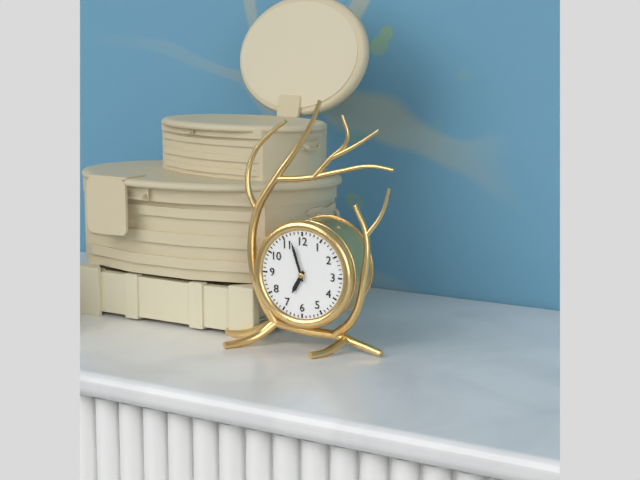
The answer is 6:57
